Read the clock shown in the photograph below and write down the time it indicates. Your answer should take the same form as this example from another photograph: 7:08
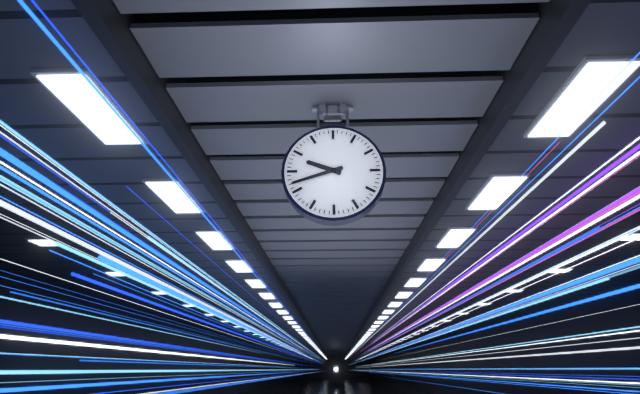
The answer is 9:42
